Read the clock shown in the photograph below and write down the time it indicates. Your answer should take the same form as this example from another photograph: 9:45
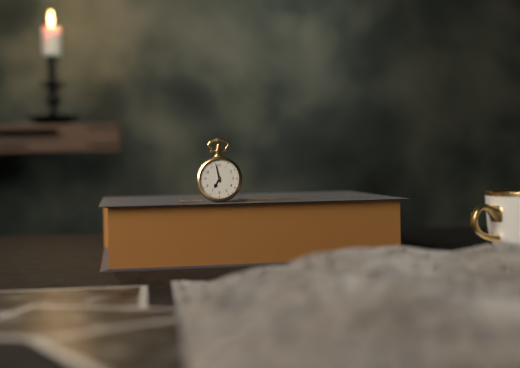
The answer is 6:58
